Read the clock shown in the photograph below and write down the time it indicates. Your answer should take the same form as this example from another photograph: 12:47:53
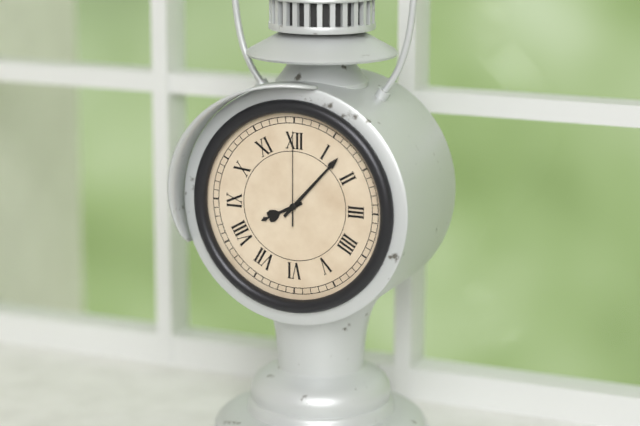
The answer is 8:07:00
